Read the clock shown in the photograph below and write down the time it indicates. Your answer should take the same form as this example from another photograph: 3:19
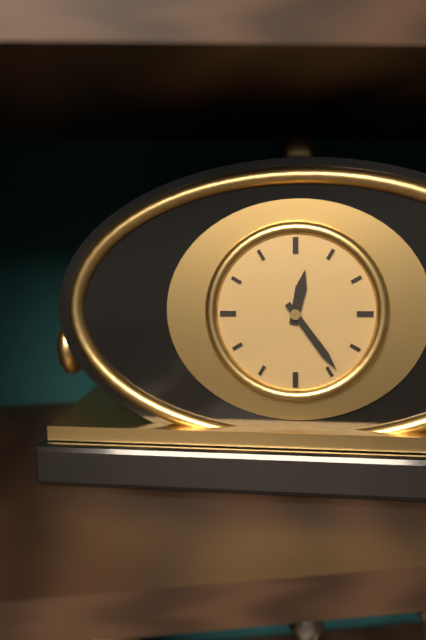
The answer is 12:24
